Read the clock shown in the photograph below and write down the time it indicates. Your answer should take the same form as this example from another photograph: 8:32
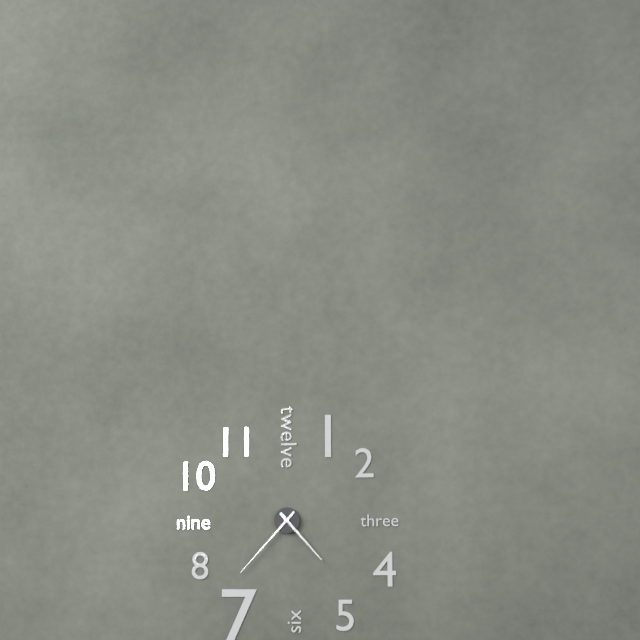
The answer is 4:37
